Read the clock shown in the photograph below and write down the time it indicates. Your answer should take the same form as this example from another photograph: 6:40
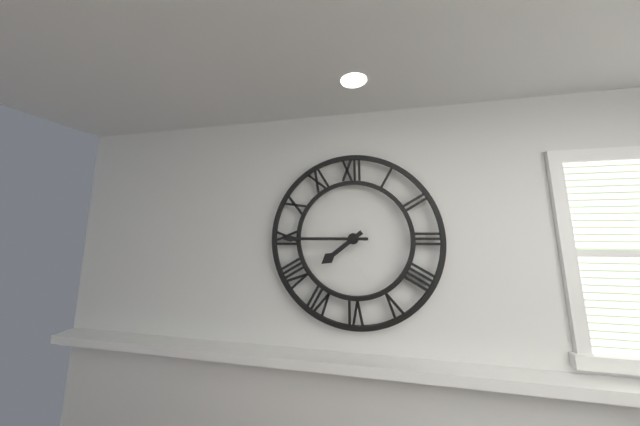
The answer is 7:45
